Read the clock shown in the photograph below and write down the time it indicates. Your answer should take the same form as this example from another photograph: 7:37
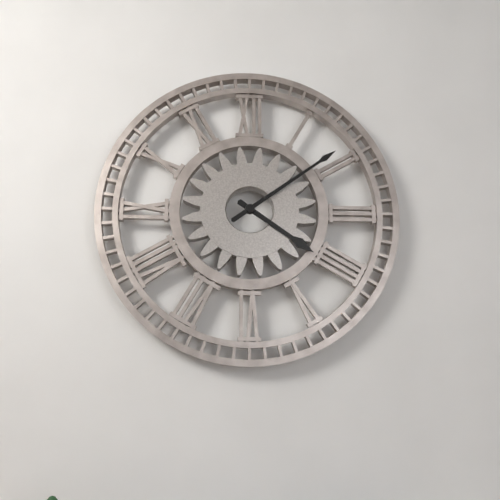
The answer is 4:09
